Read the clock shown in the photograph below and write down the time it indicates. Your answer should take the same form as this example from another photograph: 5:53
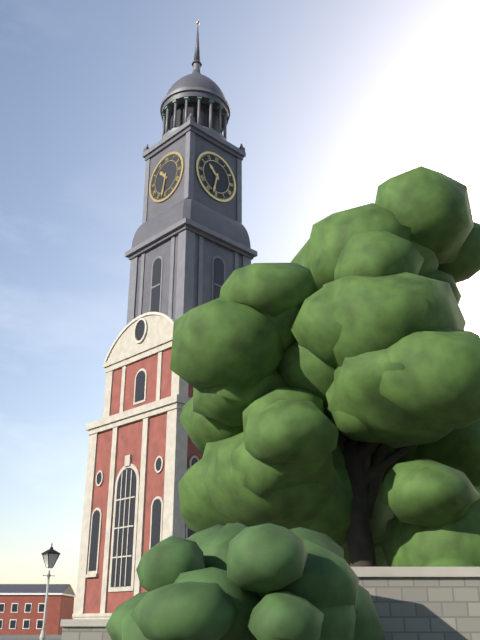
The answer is 10:32
